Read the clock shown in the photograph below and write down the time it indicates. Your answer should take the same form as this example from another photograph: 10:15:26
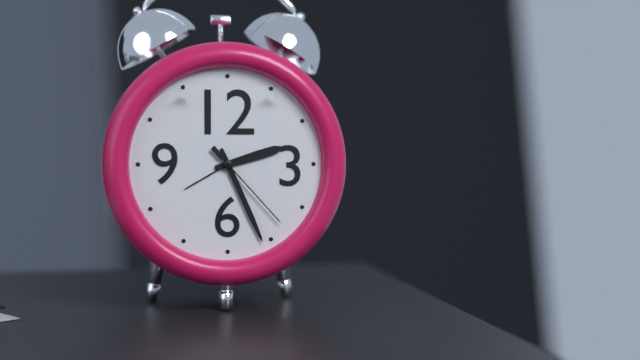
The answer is 2:26:23
